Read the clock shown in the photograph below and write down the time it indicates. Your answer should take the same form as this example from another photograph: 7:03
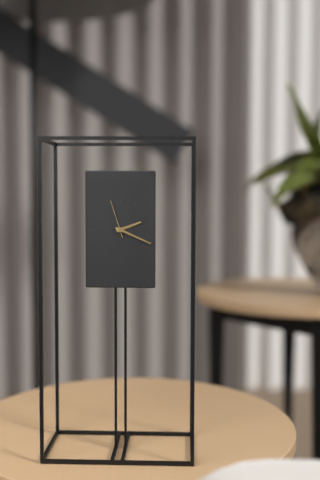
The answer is 2:19
